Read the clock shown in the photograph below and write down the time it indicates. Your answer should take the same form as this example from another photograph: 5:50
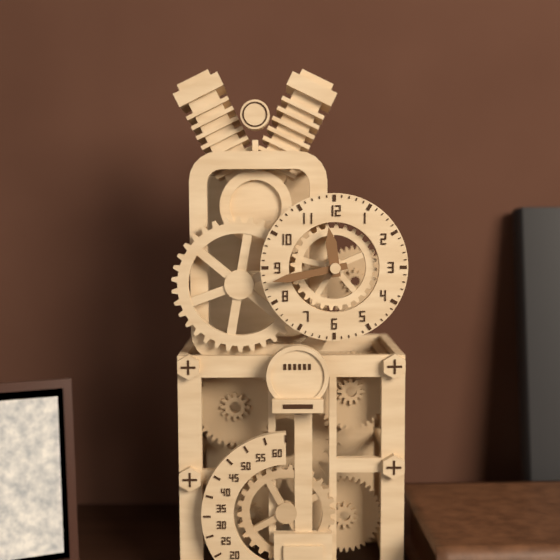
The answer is 11:43
